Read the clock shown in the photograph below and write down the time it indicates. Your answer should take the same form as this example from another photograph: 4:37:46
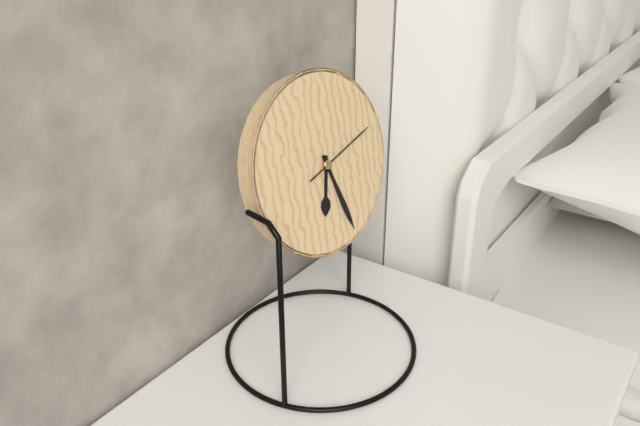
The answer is 6:27:12
